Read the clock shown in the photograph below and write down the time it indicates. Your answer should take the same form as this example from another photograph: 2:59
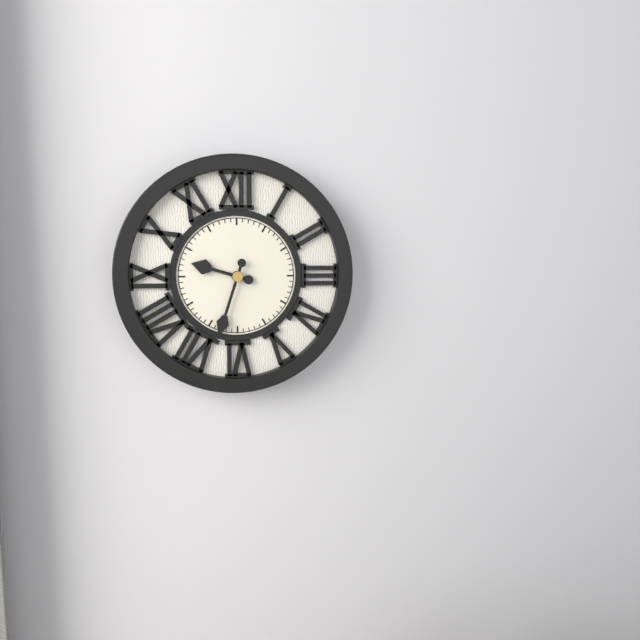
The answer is 9:33
